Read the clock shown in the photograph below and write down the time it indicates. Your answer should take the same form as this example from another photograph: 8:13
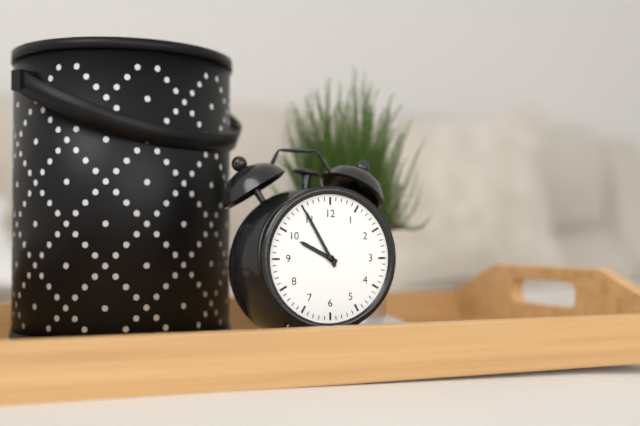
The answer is 9:55
